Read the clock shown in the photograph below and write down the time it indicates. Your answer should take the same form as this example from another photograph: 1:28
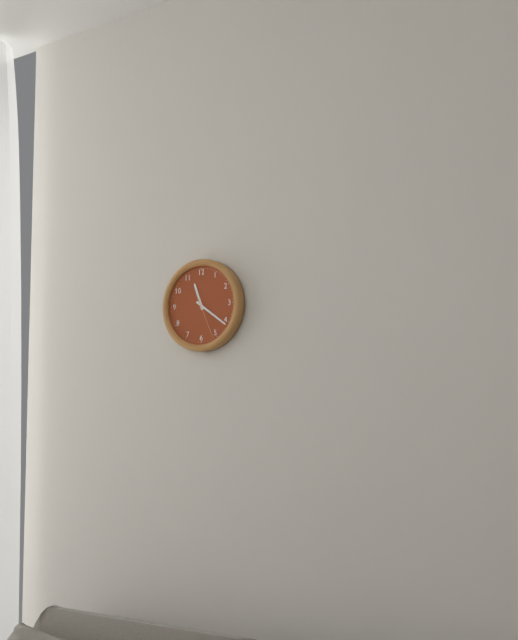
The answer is 11:21
